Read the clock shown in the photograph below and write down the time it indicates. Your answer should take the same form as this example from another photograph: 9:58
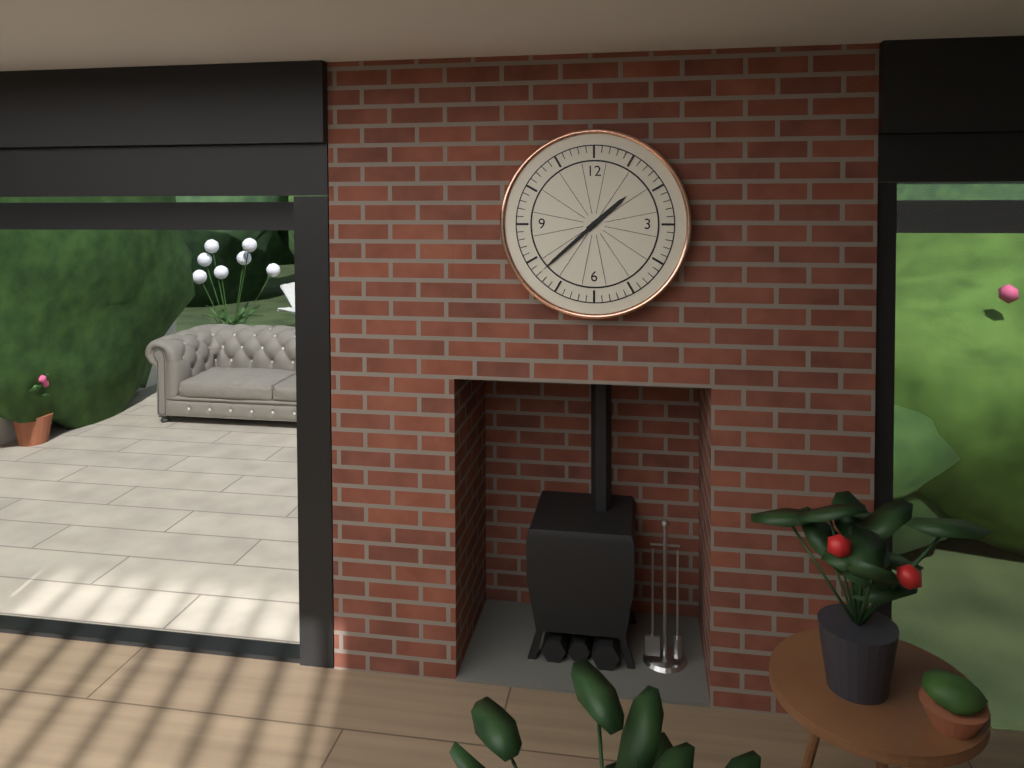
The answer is 1:38
